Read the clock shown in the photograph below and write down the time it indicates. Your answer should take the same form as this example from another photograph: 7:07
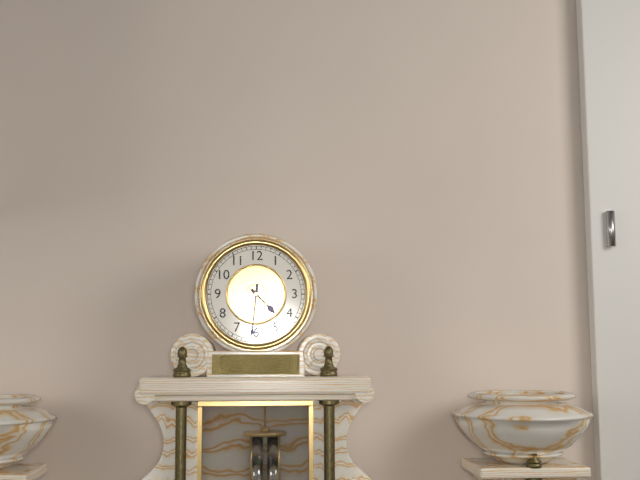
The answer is 4:31
